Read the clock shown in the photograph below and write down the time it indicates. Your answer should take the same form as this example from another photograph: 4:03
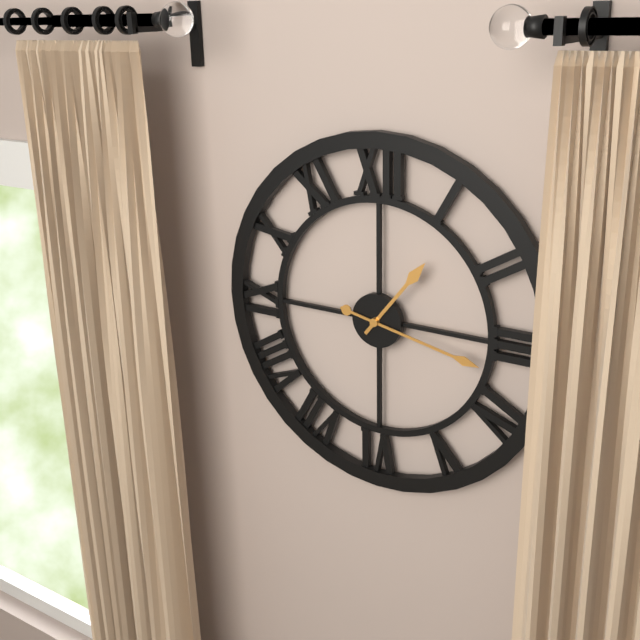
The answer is 1:17
